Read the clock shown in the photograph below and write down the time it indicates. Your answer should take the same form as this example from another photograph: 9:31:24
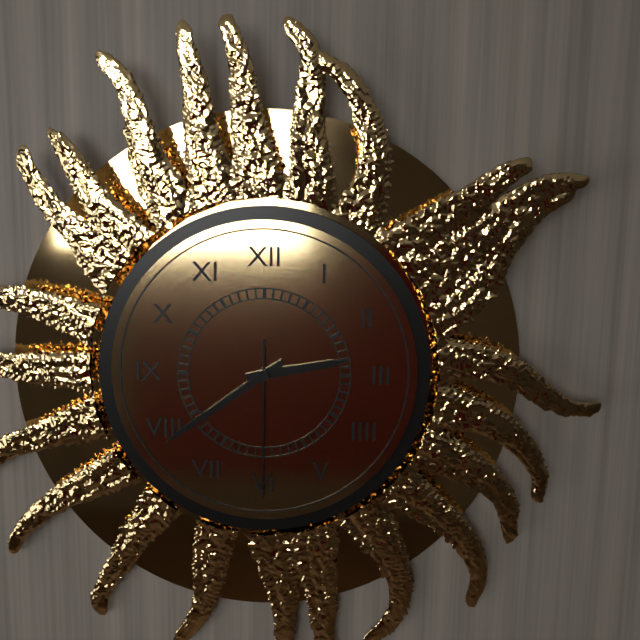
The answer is 2:39:30
